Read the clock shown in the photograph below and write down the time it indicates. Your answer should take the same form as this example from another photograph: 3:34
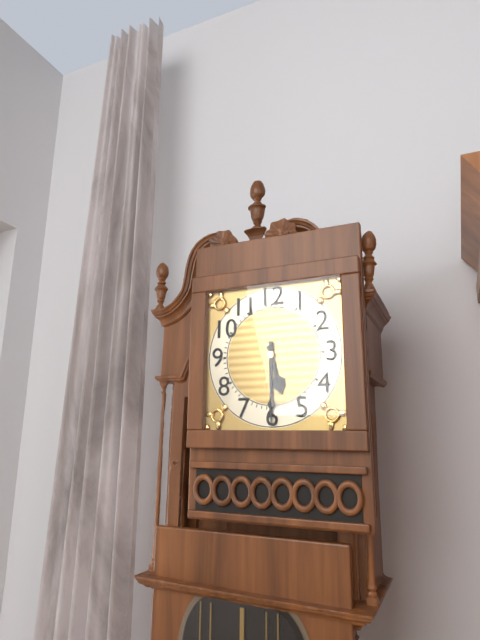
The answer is 5:30
